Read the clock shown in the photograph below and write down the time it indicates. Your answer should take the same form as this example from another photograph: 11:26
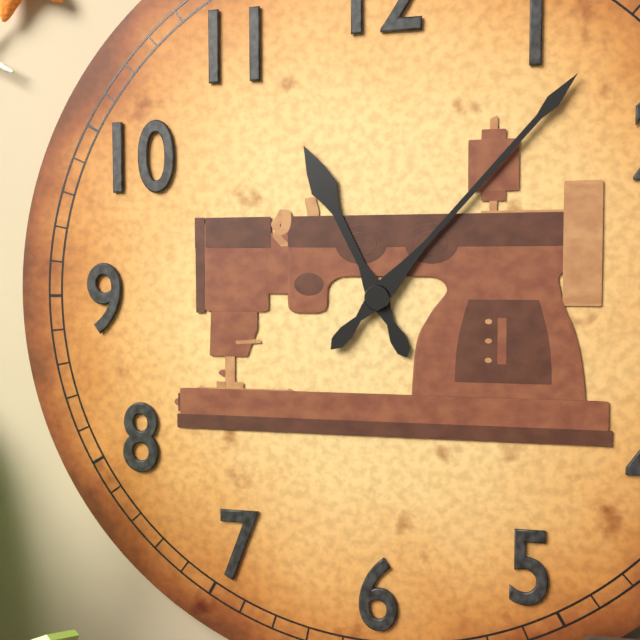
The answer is 11:07
